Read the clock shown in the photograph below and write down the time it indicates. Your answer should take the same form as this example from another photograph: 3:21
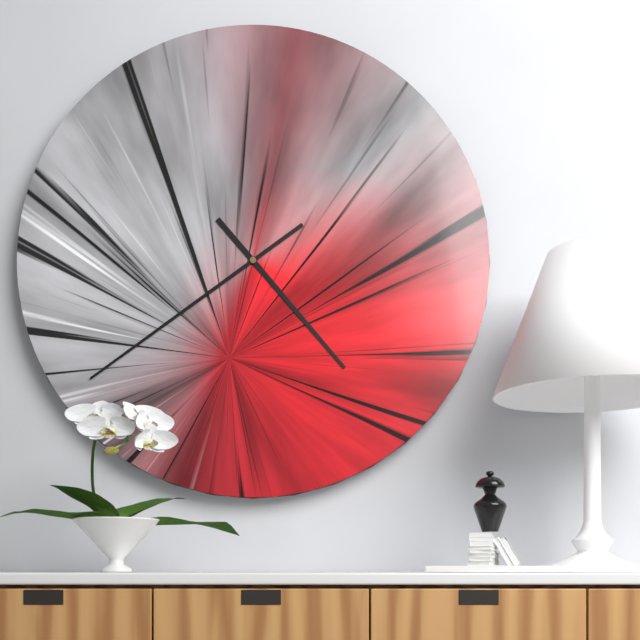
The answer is 4:39
